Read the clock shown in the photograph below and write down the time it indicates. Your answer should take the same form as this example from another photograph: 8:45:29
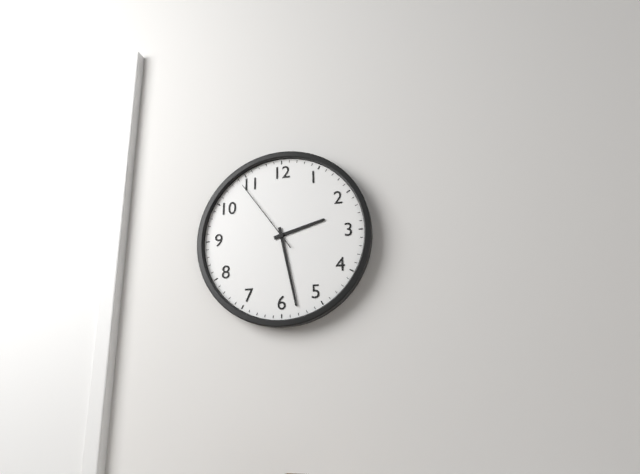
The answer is 2:28:54
